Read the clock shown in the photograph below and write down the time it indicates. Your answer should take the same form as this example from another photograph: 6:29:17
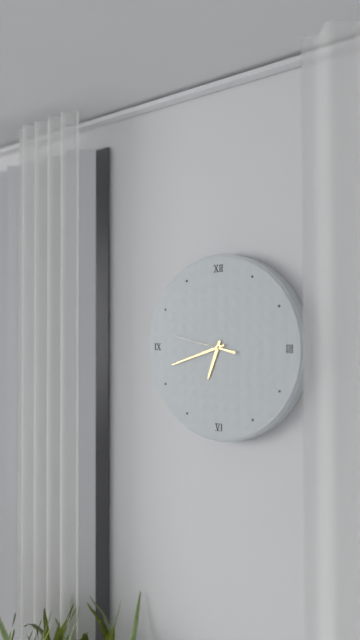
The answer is 6:42:47
